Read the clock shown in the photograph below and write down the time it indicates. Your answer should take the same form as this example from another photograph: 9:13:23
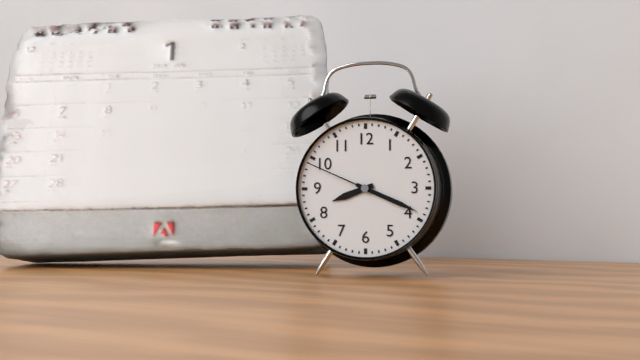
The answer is 8:19:49
